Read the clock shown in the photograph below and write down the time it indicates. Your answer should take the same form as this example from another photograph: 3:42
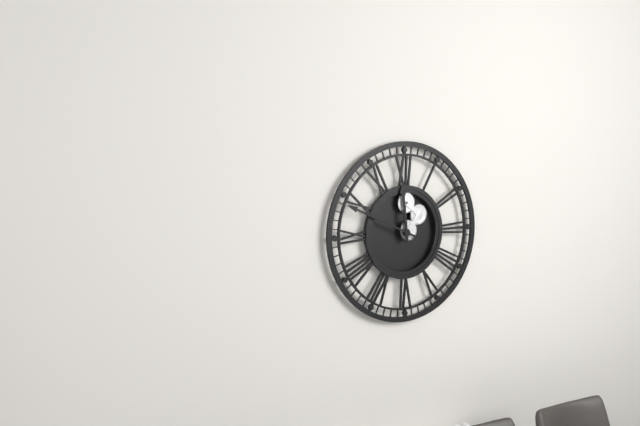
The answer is 11:49
